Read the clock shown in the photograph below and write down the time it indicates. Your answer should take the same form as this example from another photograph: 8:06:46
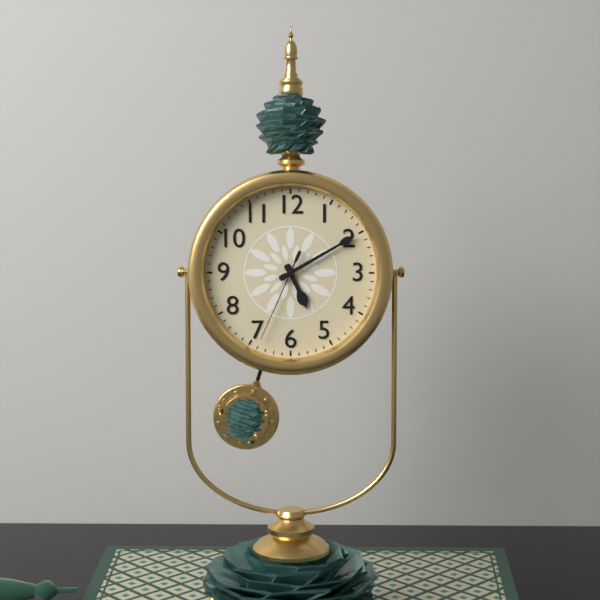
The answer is 5:10:34
